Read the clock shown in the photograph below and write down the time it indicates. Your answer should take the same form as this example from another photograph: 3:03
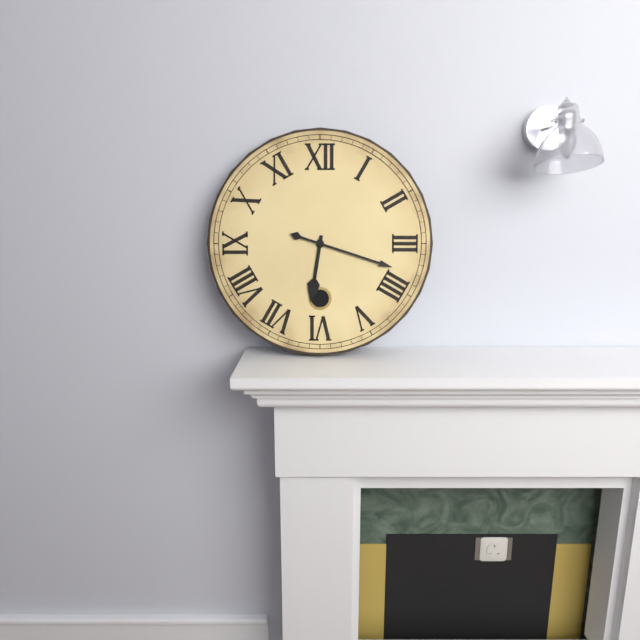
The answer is 6:18
